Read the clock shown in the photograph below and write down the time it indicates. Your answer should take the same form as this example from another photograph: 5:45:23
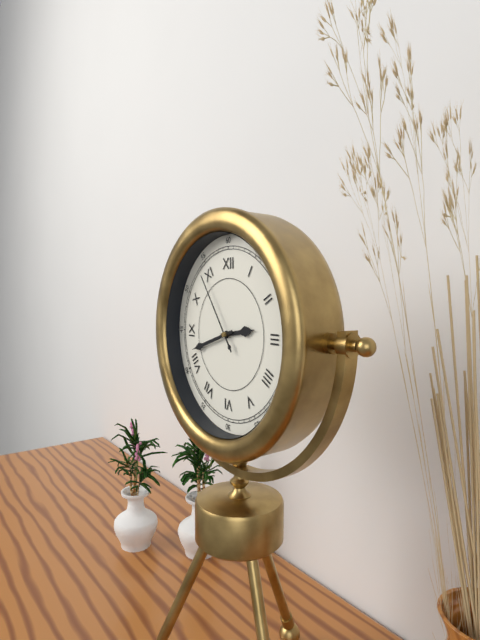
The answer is 2:42:54
